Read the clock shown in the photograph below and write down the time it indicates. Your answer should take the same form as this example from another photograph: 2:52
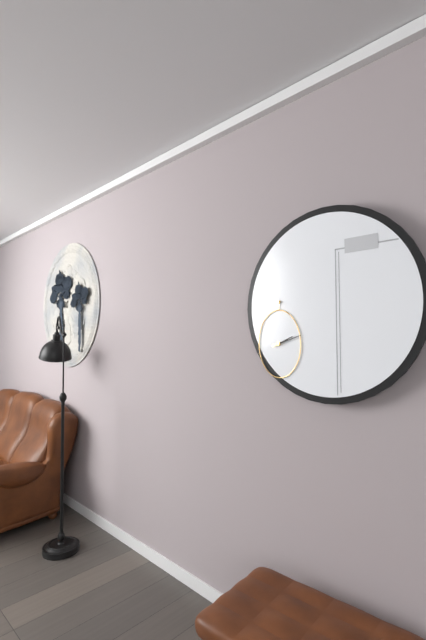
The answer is 2:12
